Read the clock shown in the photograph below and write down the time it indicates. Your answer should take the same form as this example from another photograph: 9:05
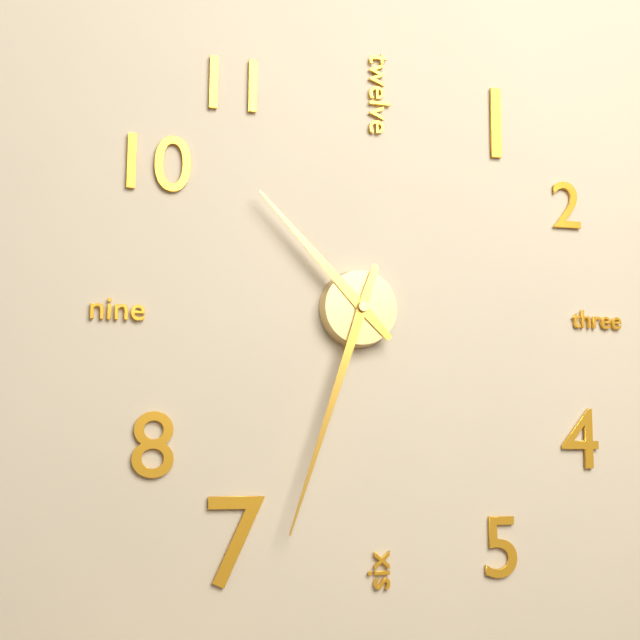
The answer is 10:33
